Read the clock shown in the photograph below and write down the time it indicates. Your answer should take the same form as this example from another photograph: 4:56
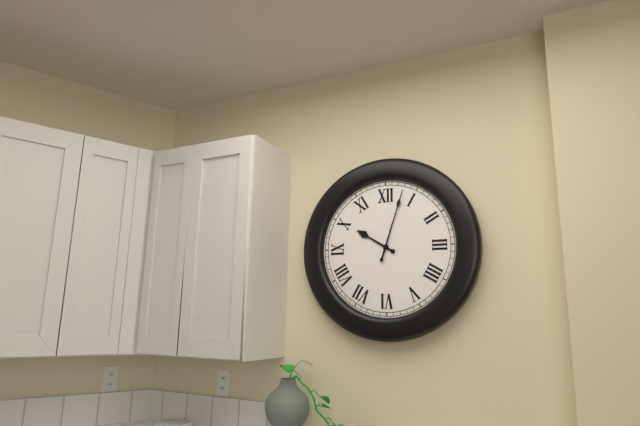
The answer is 10:03
